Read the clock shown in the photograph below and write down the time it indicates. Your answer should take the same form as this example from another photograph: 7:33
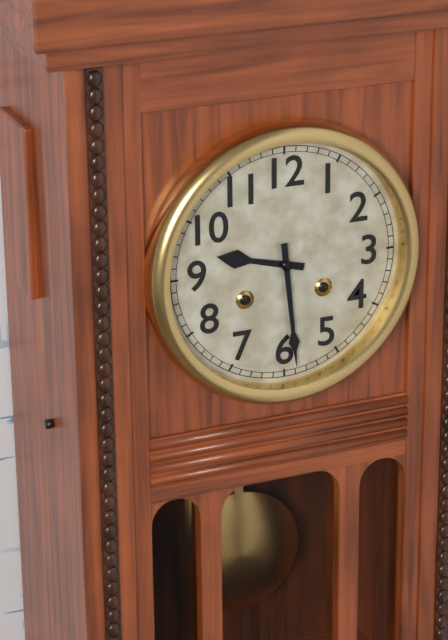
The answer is 9:29
